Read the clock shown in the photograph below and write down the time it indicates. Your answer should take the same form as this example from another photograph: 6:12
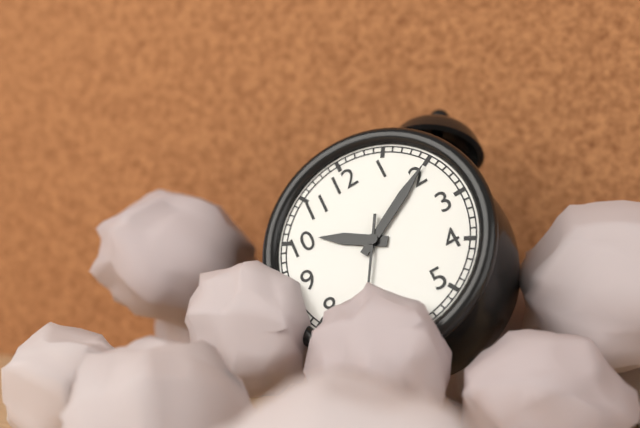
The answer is 10:10
